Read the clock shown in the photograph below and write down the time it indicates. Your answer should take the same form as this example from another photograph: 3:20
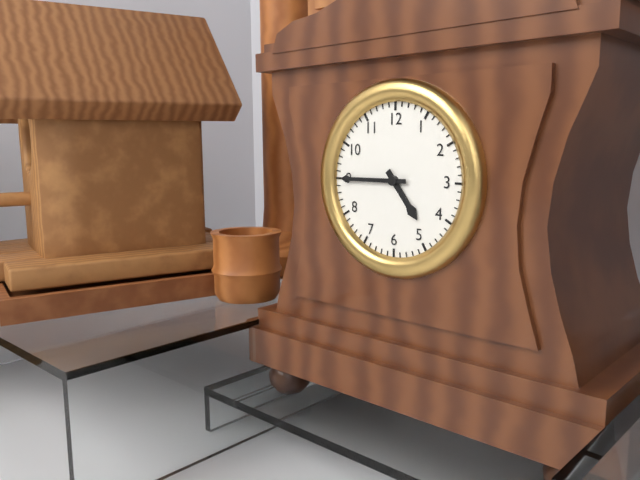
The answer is 4:45
